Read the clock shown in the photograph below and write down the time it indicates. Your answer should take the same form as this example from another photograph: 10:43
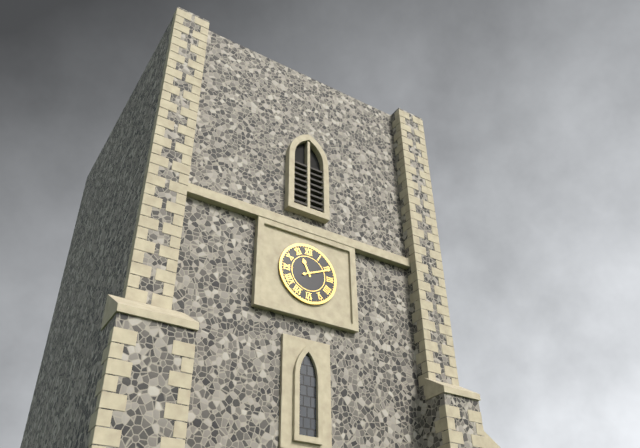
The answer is 11:11
